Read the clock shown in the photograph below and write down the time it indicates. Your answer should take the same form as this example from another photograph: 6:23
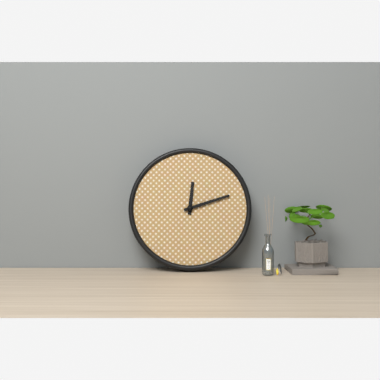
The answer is 12:12
